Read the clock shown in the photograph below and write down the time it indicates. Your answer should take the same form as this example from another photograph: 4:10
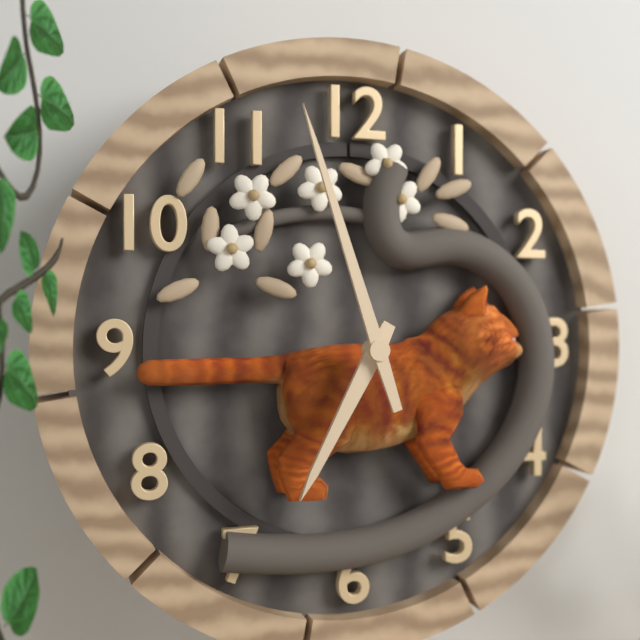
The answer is 6:57
